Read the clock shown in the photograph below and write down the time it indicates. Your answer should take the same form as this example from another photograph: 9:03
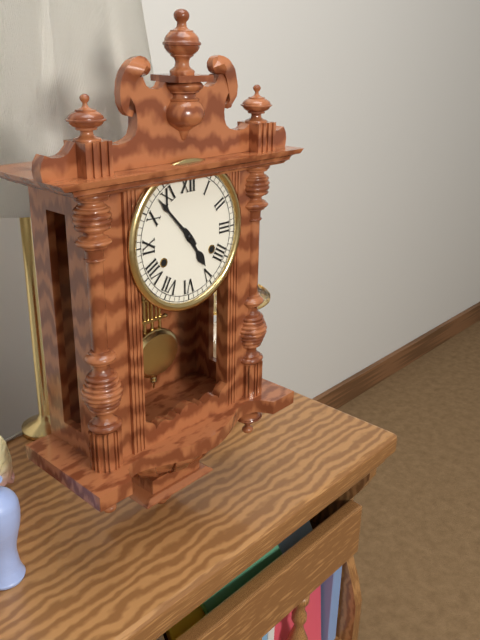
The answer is 4:53
